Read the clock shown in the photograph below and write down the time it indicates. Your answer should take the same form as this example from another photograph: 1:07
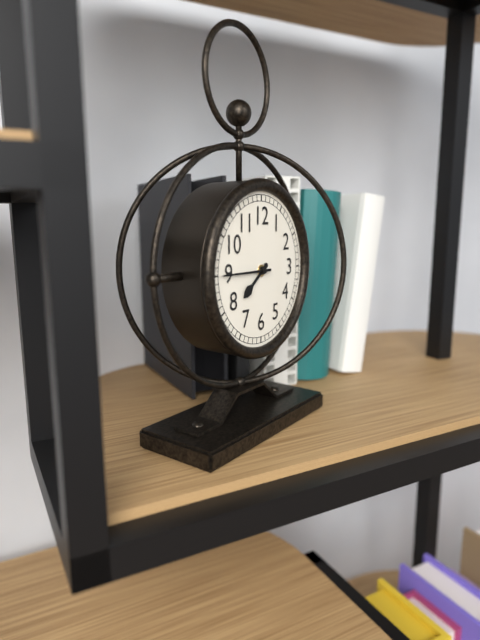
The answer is 7:45
